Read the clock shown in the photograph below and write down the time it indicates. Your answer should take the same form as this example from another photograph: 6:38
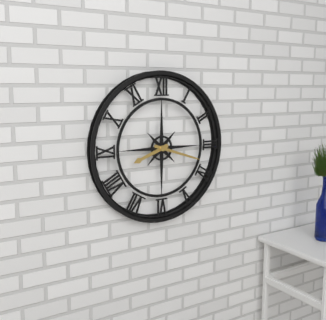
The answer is 8:18
